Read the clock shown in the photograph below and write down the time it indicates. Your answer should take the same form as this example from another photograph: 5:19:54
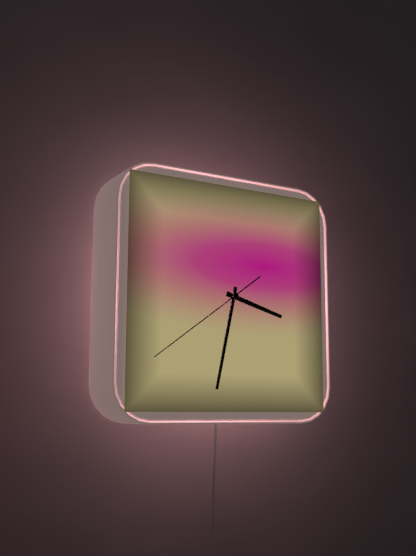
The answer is 3:32:39
